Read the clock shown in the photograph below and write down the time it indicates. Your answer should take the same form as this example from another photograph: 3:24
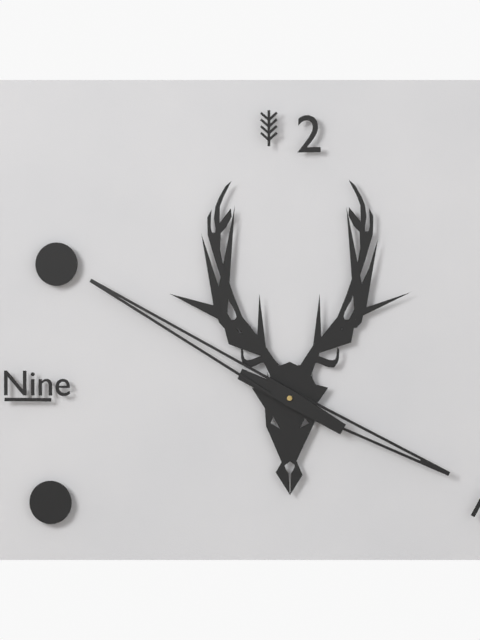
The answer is 3:50
